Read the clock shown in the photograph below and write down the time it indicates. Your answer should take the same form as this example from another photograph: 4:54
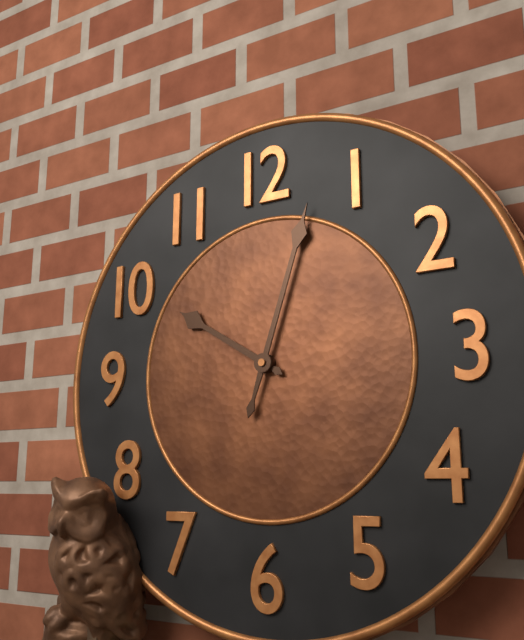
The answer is 10:03
